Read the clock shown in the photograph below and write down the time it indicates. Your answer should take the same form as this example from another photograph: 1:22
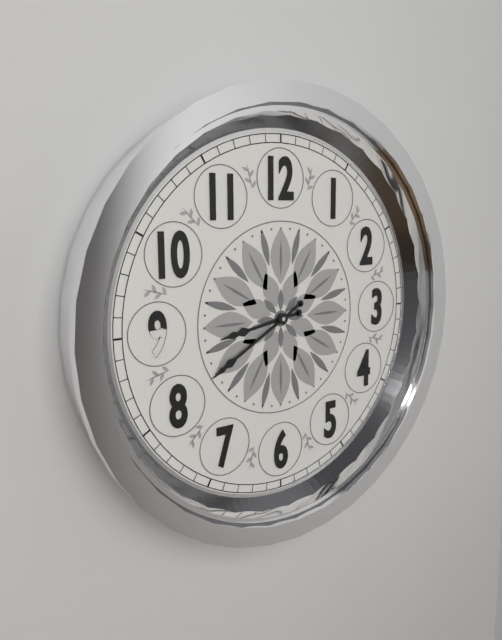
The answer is 8:40
